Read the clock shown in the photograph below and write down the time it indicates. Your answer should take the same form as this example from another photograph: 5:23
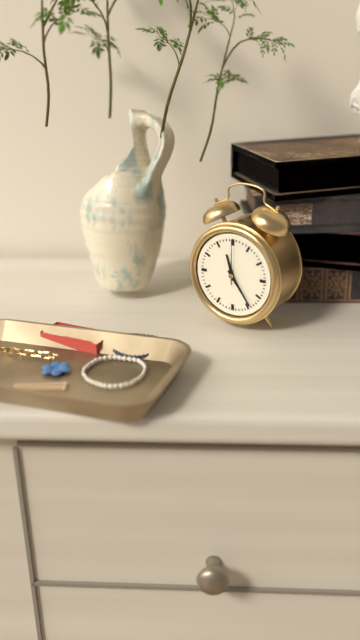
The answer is 11:24
